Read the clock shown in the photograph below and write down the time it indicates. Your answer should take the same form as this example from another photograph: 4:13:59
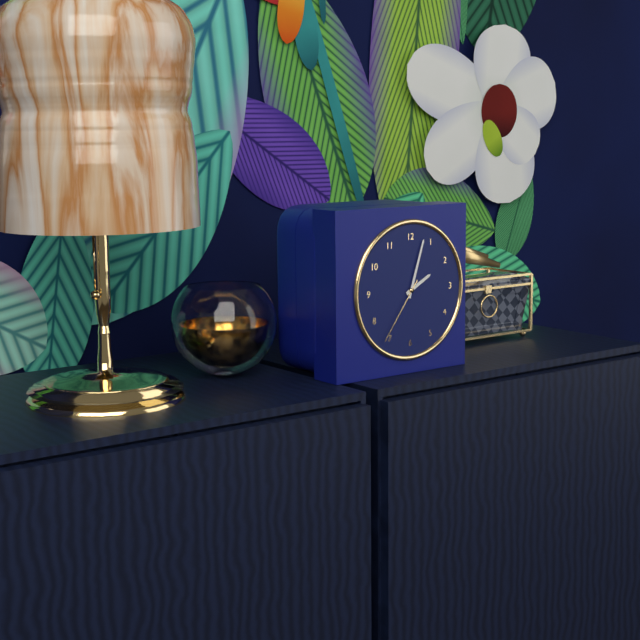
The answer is 2:03:36
